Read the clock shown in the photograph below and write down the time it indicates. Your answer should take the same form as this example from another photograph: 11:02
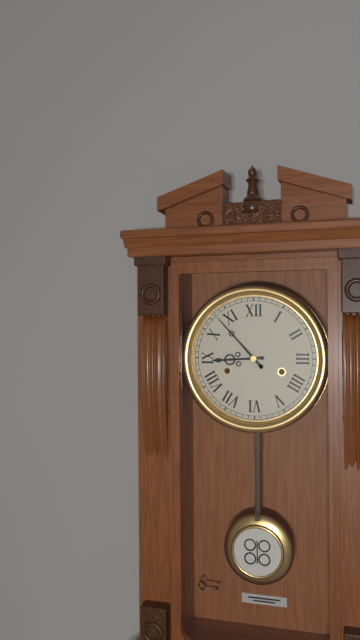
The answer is 8:53
